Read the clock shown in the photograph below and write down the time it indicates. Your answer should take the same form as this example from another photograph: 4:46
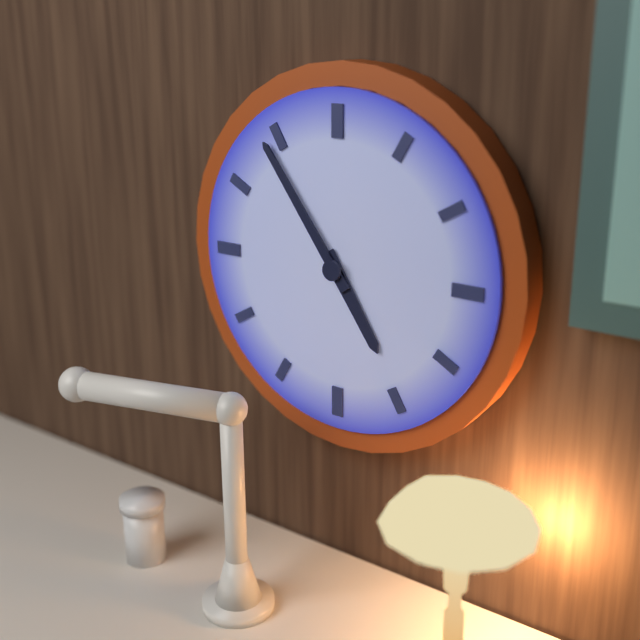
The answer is 4:54
